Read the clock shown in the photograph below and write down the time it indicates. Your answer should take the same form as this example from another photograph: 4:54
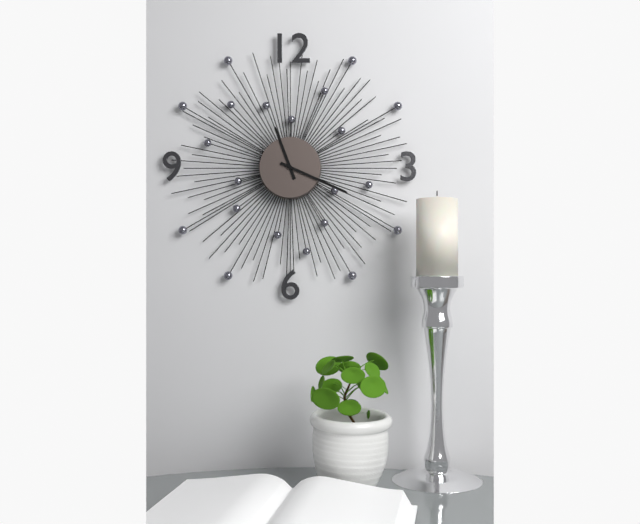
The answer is 11:19
